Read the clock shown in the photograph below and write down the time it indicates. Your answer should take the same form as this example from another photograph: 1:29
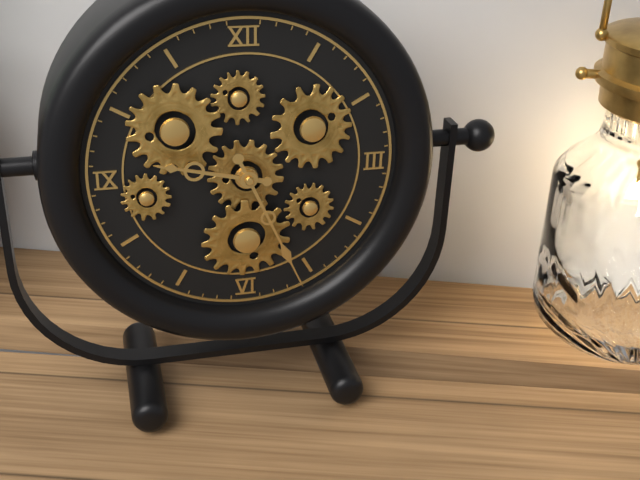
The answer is 9:26
